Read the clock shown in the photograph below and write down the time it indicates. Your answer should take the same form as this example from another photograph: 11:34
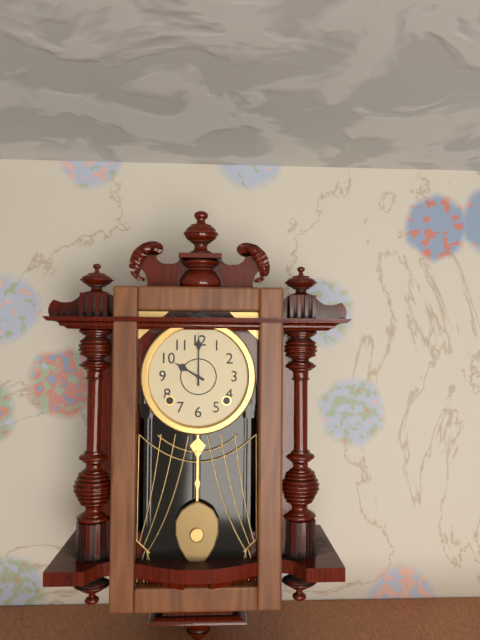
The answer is 10:00
